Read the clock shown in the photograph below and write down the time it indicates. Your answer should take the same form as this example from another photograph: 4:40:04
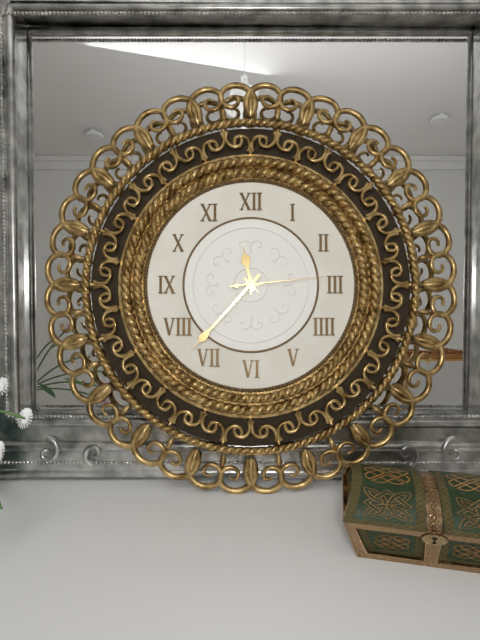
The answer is 11:37:14
